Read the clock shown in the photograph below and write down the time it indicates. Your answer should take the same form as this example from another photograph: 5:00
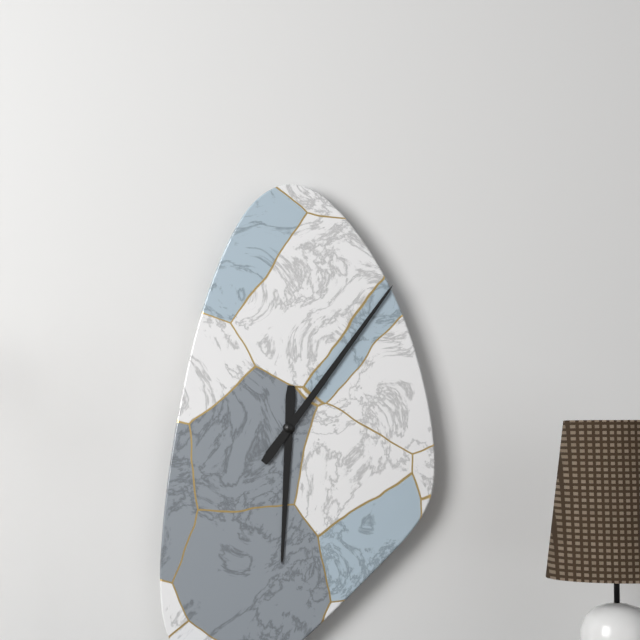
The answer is 6:06
